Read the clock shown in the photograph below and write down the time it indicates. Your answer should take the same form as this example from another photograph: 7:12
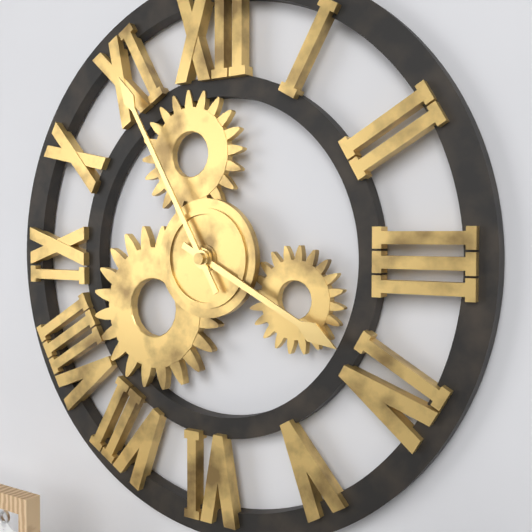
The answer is 3:55
